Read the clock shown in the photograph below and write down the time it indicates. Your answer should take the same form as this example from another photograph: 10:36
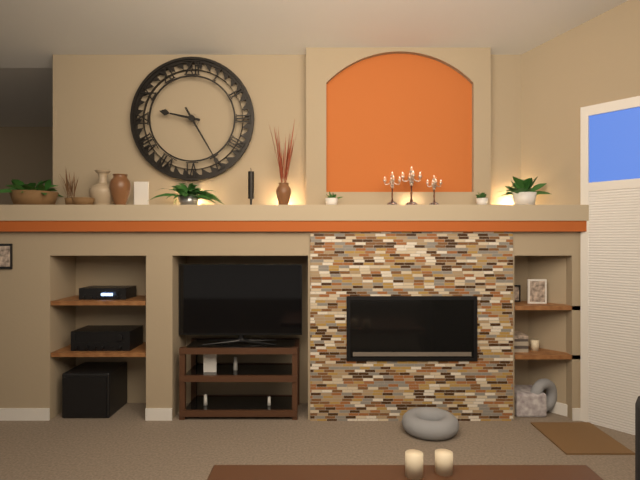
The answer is 9:25
